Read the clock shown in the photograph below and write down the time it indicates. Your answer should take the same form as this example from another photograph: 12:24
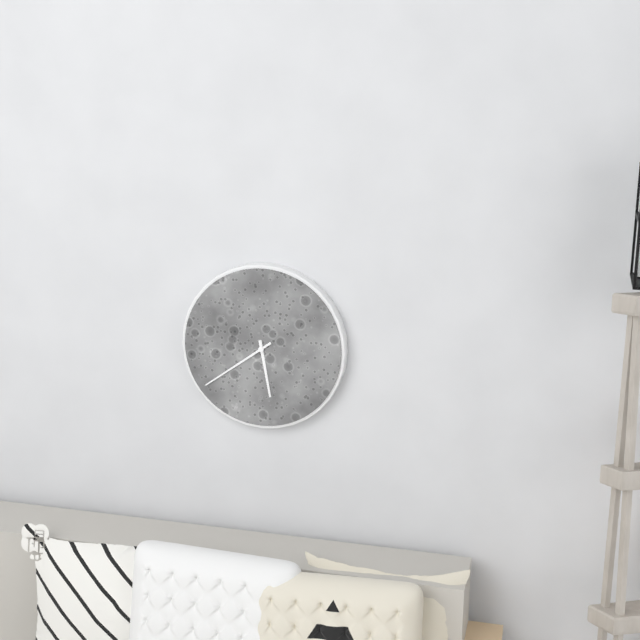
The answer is 5:39
